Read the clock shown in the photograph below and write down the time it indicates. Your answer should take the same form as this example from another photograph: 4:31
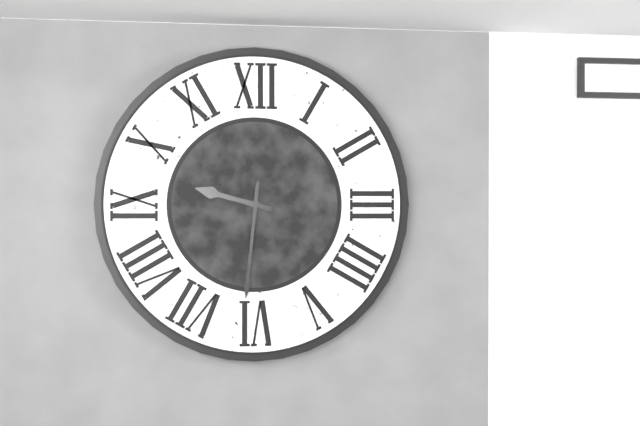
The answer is 9:31
